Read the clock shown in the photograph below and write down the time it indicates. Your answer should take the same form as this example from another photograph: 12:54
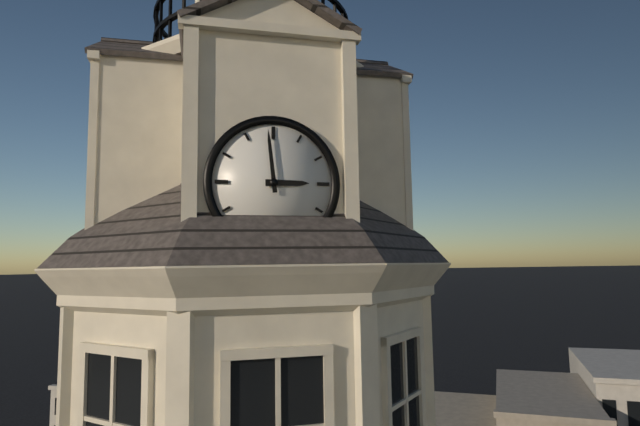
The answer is 2:59
